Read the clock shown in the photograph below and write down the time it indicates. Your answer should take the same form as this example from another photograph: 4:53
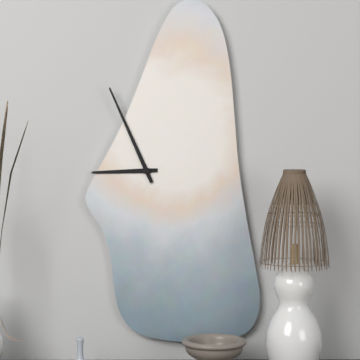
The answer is 8:56
